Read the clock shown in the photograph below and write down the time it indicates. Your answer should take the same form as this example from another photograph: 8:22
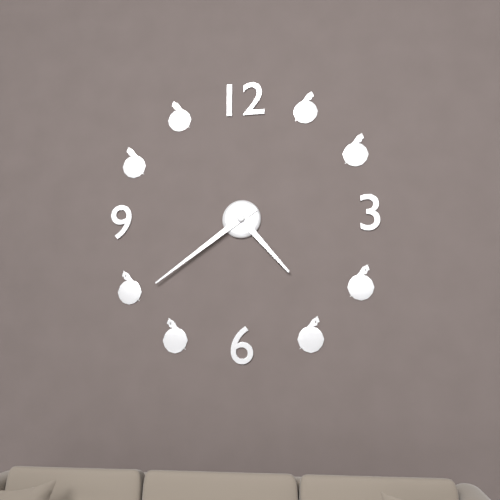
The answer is 4:39
